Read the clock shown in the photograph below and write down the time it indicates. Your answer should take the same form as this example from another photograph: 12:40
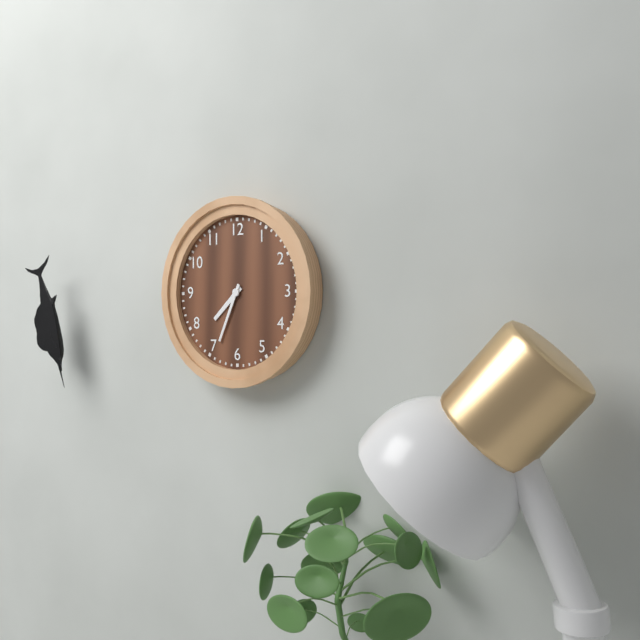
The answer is 7:34
